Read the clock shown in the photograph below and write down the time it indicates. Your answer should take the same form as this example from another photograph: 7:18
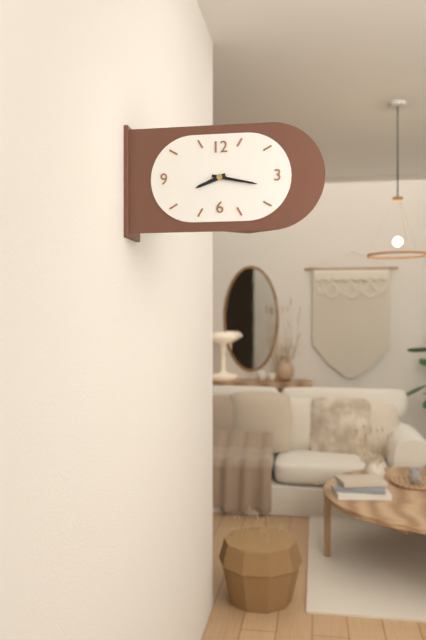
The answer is 8:17
